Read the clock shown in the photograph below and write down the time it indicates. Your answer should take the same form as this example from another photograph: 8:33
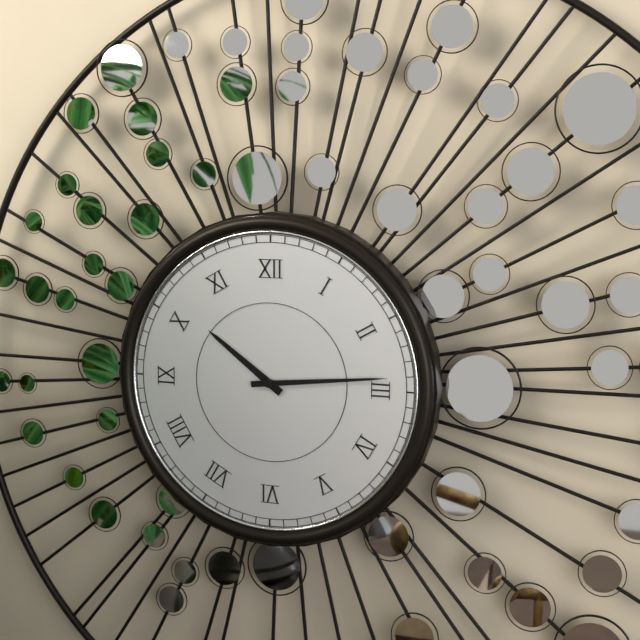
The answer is 10:14
